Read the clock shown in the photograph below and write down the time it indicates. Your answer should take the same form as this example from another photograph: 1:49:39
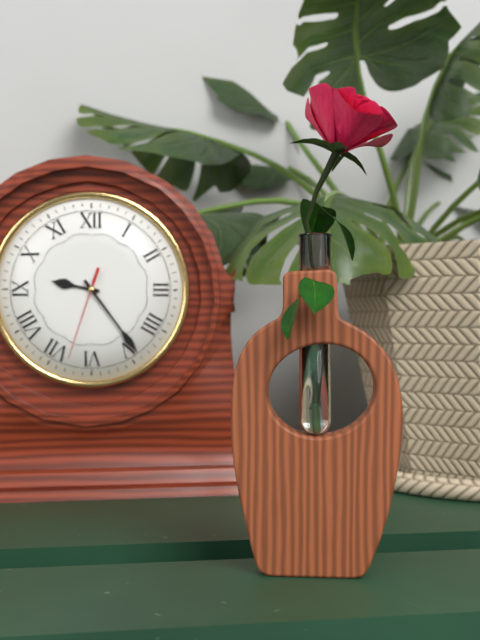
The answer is 9:24:33
